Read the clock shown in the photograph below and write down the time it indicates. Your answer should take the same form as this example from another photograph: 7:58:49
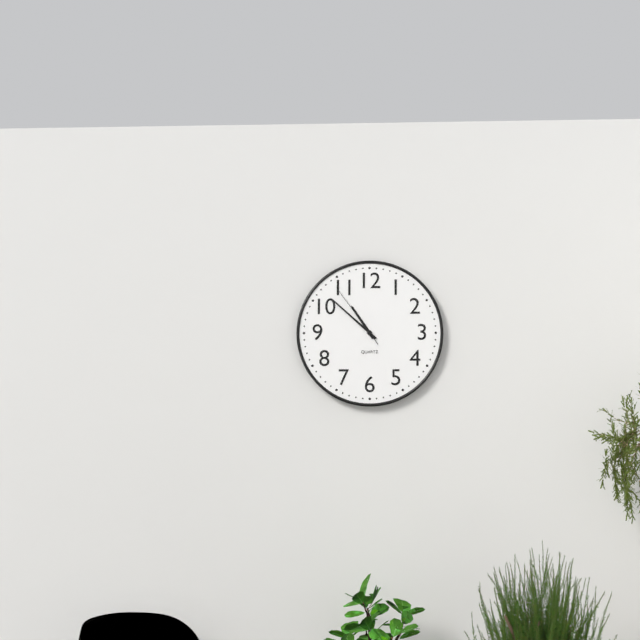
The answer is 10:52:54
